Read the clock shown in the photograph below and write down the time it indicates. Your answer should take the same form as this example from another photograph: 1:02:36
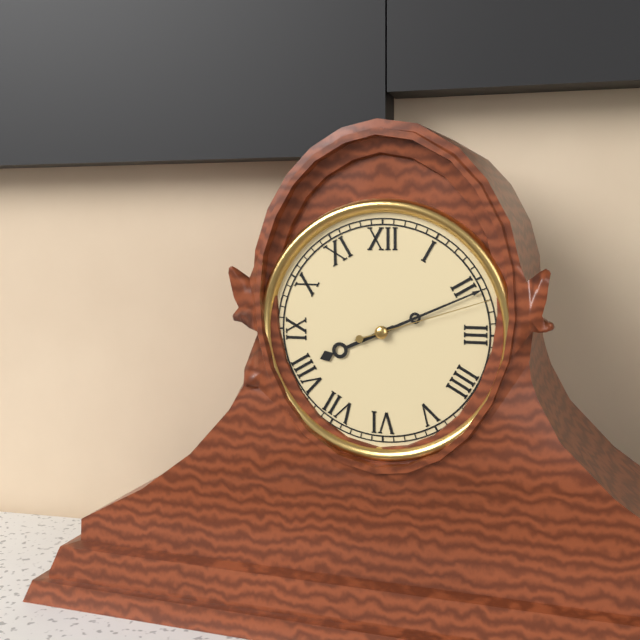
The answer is 8:11:12
